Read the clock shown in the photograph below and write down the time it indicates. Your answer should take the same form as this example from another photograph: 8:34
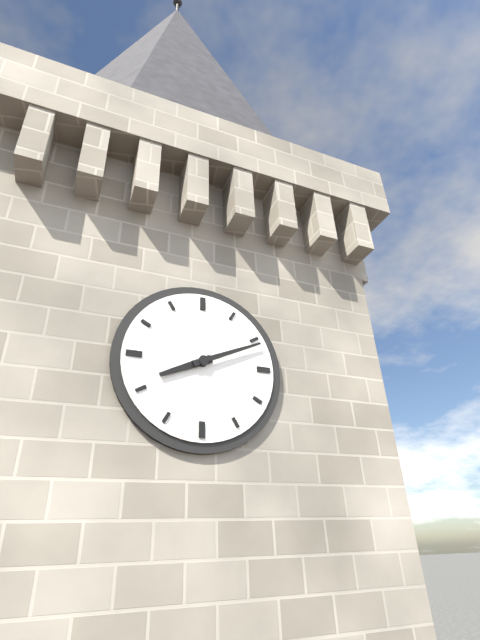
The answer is 8:11
